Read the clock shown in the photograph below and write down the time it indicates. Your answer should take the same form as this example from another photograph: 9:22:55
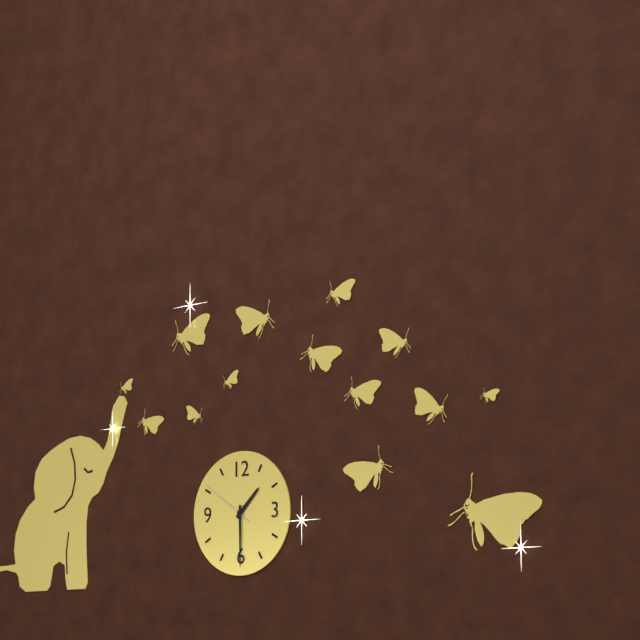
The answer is 1:30:51
